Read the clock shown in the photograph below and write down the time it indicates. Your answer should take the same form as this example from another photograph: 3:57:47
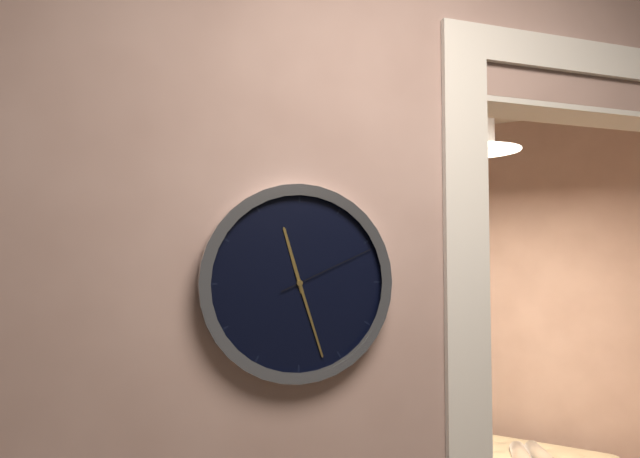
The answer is 11:27:11
